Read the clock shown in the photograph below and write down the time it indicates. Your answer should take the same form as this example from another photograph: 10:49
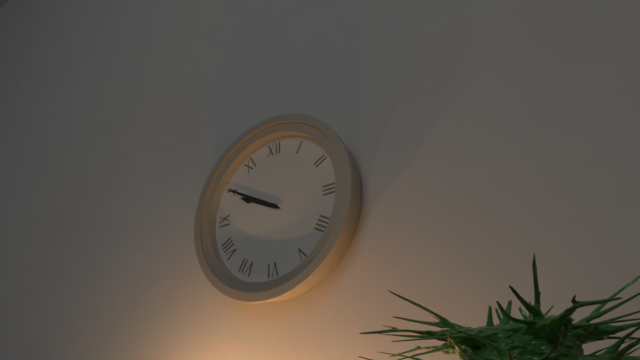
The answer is 9:50
